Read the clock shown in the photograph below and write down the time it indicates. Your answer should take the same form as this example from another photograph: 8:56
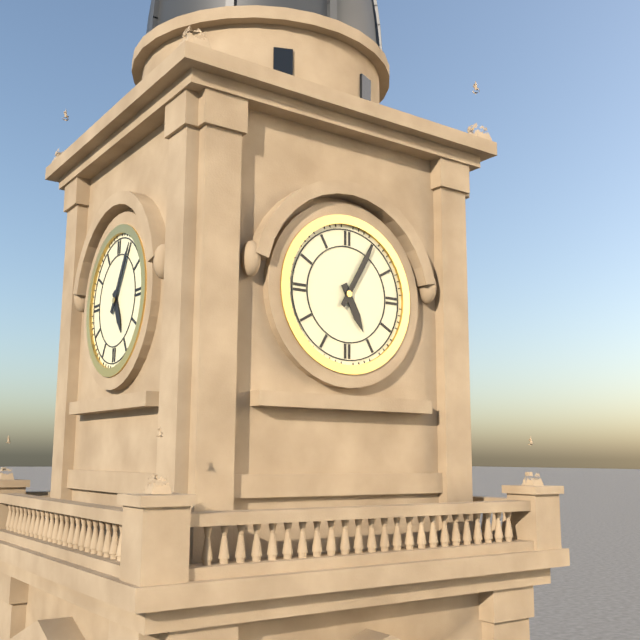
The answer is 5:05
